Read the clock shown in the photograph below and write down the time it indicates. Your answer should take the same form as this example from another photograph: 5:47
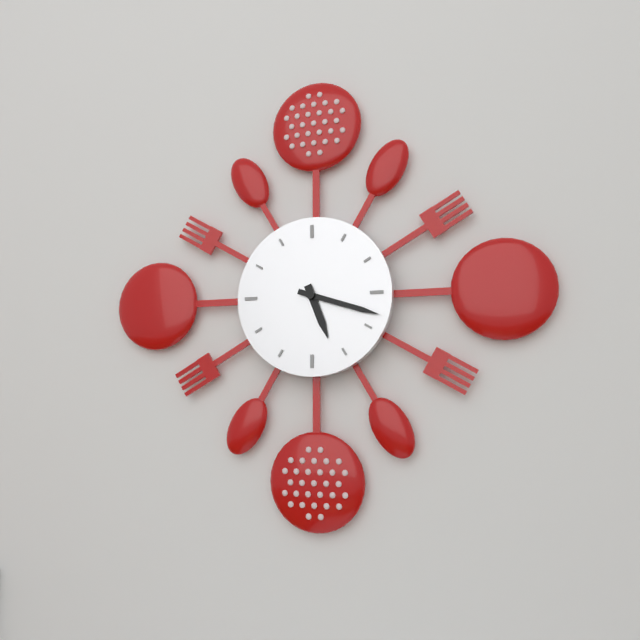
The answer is 5:18
